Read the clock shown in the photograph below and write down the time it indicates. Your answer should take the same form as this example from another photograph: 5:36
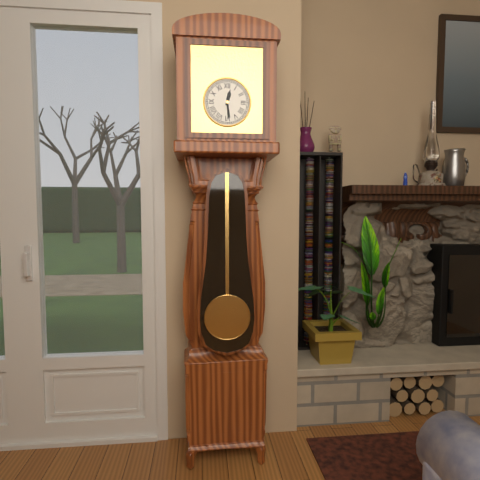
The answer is 12:29
